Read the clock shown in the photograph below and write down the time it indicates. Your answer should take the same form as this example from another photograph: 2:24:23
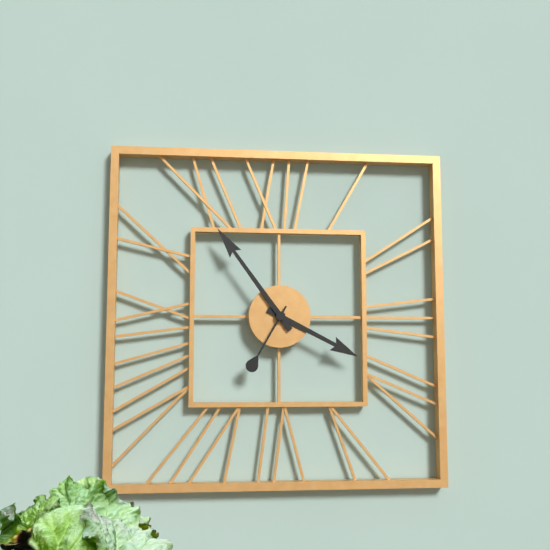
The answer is 3:54:35
